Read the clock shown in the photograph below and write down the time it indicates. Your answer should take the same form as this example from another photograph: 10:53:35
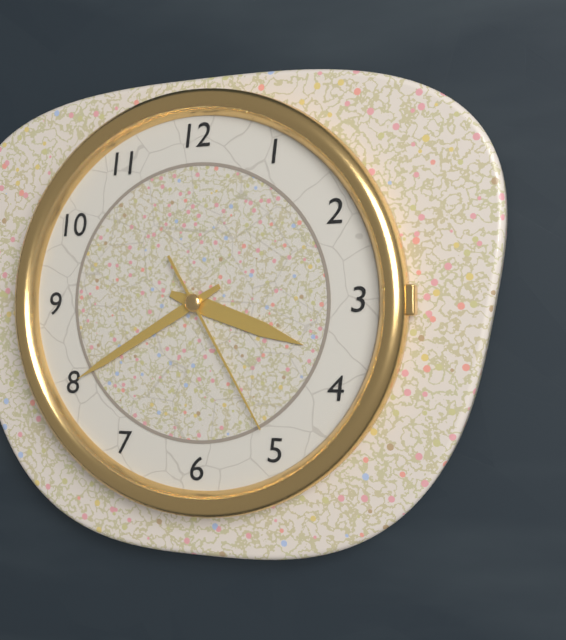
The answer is 3:40:25
